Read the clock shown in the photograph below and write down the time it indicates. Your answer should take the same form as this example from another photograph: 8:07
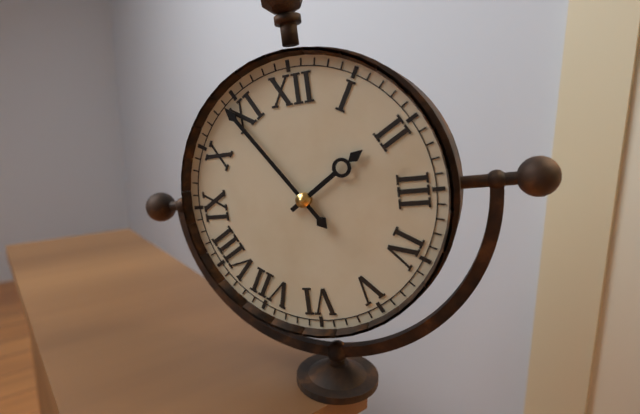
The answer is 1:54
